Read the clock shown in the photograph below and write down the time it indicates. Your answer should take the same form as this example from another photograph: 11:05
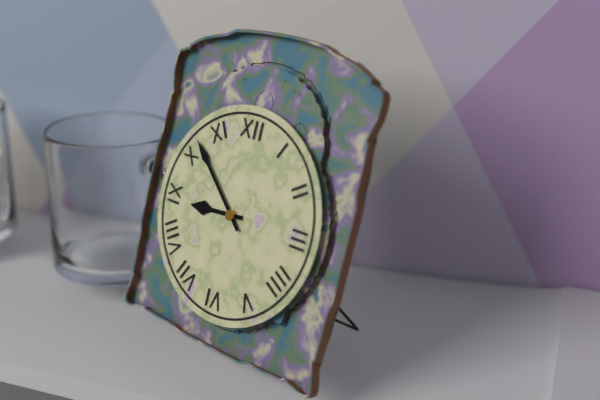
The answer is 8:52
